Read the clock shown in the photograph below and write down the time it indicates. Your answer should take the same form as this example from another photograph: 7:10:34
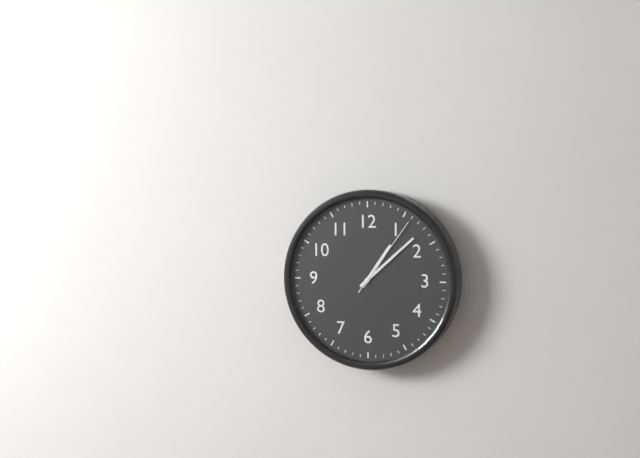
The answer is 1:08:06
